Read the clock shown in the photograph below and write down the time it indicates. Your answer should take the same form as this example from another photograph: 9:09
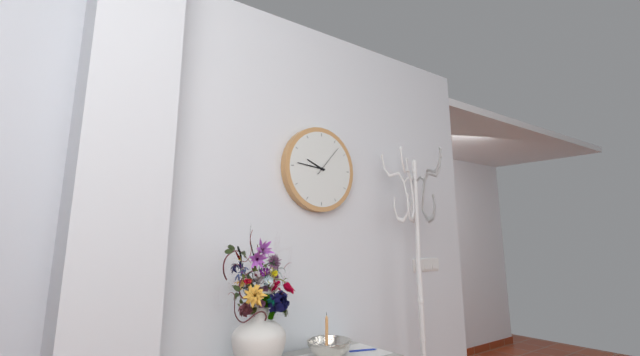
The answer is 9:46
